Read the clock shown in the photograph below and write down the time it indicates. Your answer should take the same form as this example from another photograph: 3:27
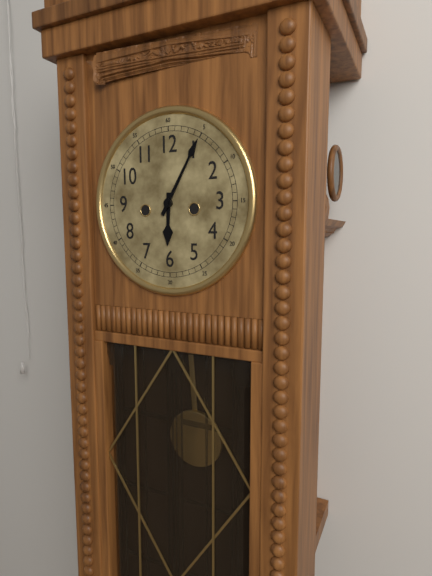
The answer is 6:05
